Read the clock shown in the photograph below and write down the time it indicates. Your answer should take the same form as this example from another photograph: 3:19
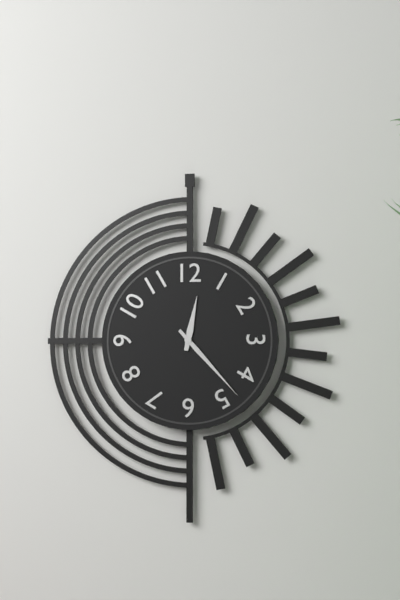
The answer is 12:23
